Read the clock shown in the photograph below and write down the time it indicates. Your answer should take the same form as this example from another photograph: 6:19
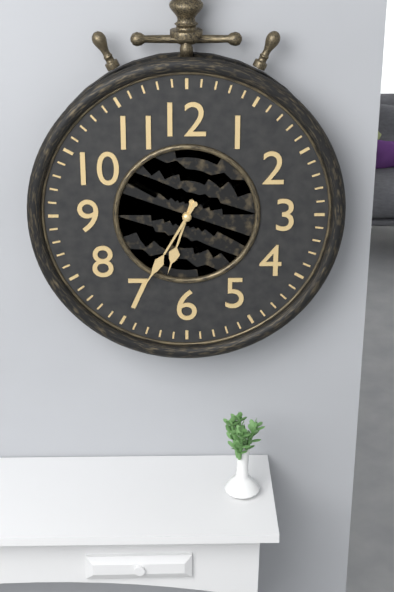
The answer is 6:35
